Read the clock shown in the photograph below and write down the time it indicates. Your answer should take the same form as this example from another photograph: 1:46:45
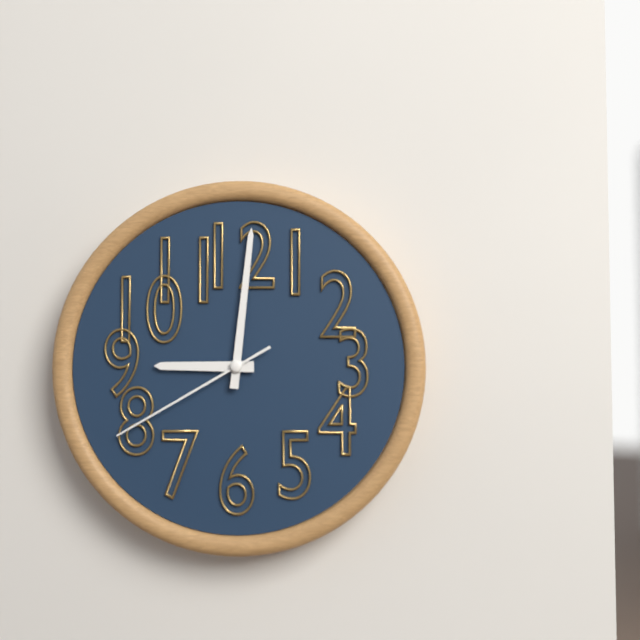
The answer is 9:01:40
